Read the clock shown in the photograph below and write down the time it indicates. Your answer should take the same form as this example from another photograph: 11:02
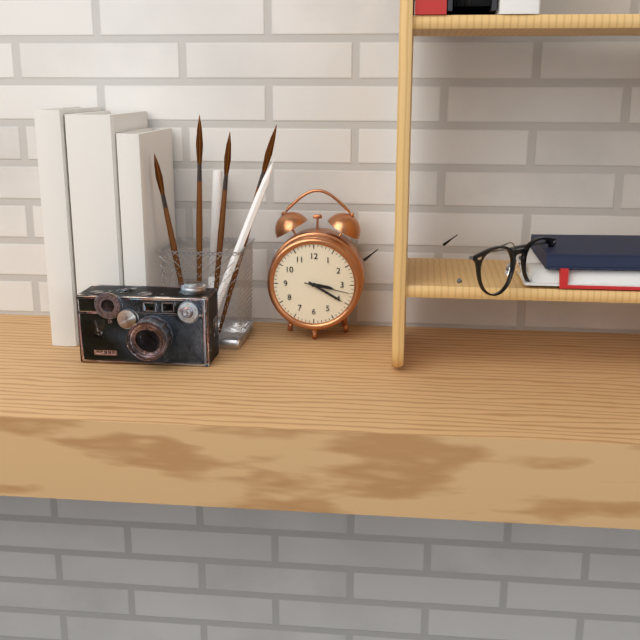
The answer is 3:20
